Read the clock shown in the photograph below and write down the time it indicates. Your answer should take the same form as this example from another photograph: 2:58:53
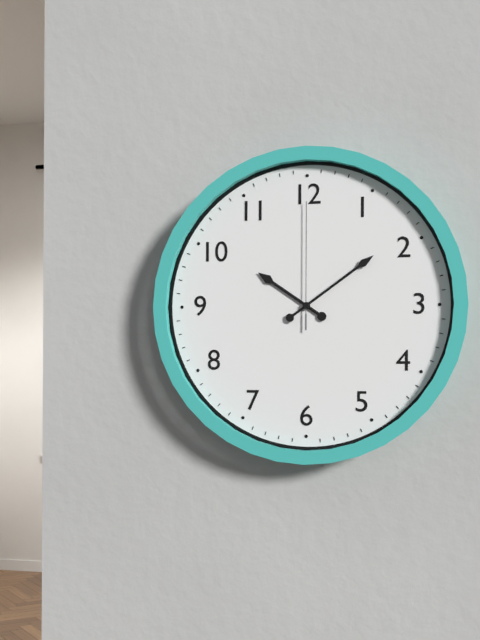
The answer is 10:09:00
